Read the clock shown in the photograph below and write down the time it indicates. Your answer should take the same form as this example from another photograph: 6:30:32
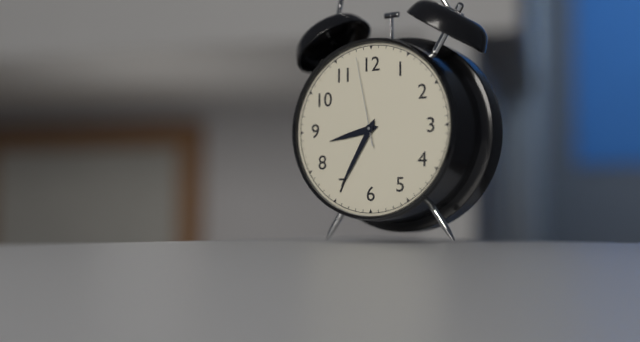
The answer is 8:35:58
